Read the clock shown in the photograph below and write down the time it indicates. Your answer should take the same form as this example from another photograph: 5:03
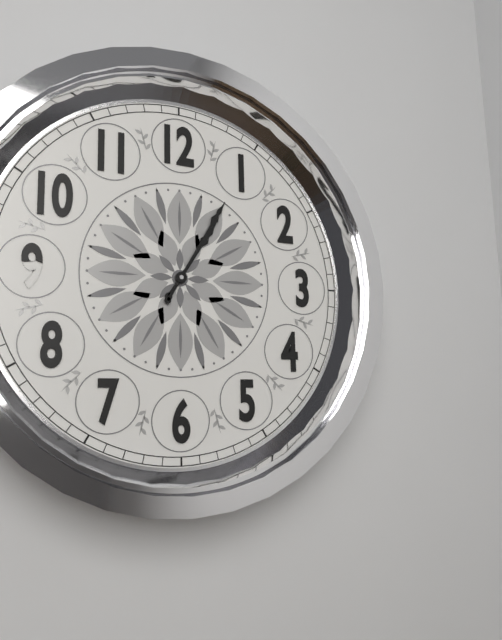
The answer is 1:05
